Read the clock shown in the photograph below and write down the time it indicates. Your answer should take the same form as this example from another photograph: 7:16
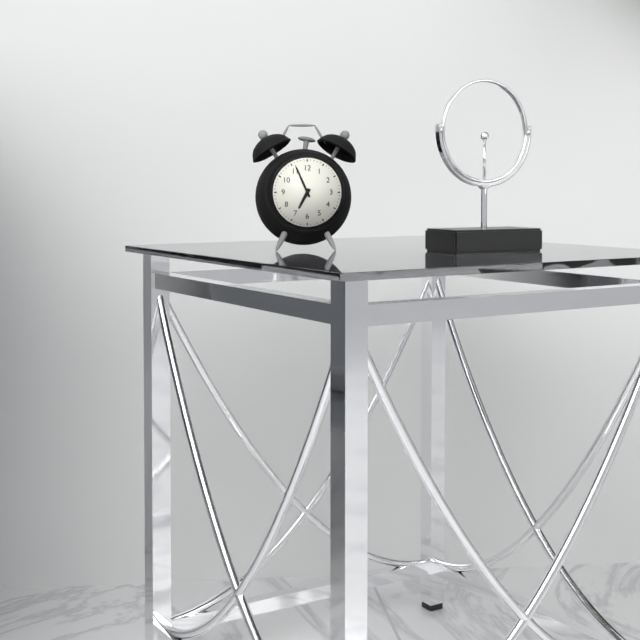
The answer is 6:56
